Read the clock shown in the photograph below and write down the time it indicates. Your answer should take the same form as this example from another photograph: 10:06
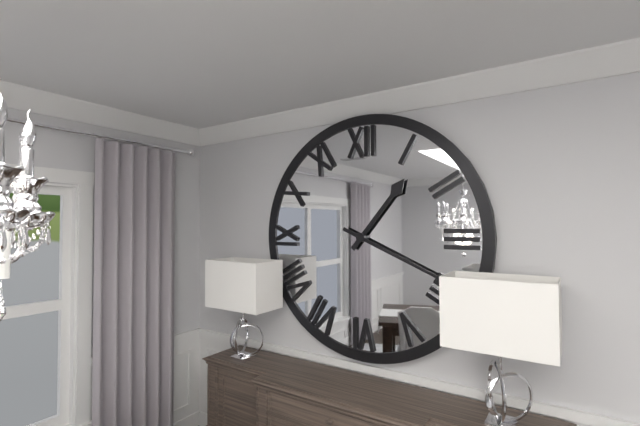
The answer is 1:19
